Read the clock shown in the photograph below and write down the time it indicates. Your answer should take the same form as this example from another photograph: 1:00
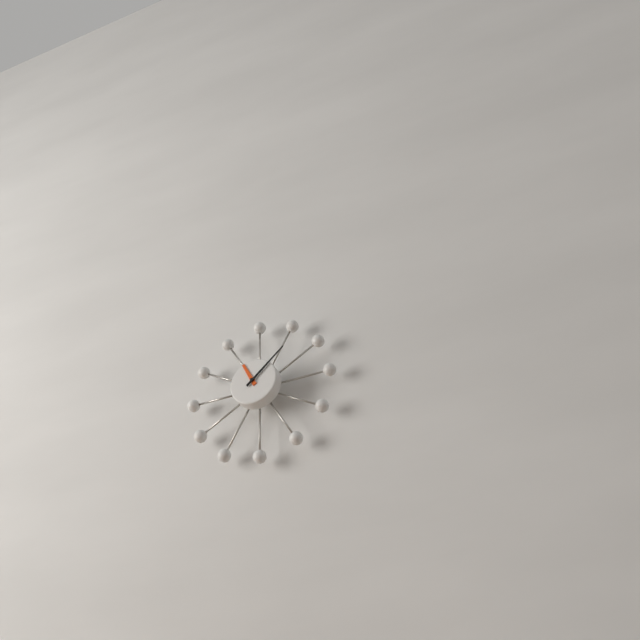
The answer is 11:08
